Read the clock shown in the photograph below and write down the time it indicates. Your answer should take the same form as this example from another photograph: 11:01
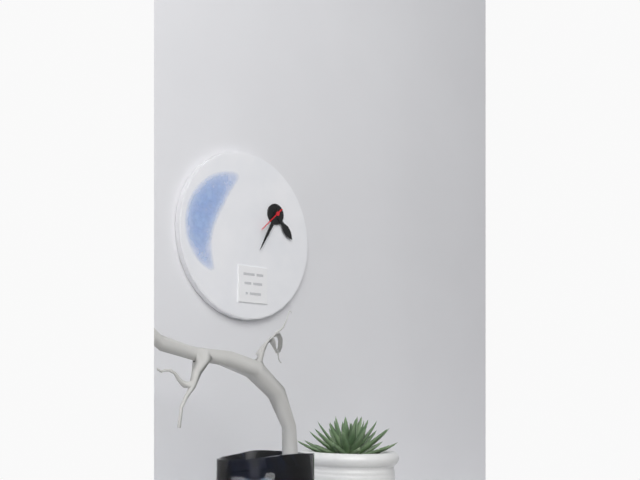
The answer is 4:35
